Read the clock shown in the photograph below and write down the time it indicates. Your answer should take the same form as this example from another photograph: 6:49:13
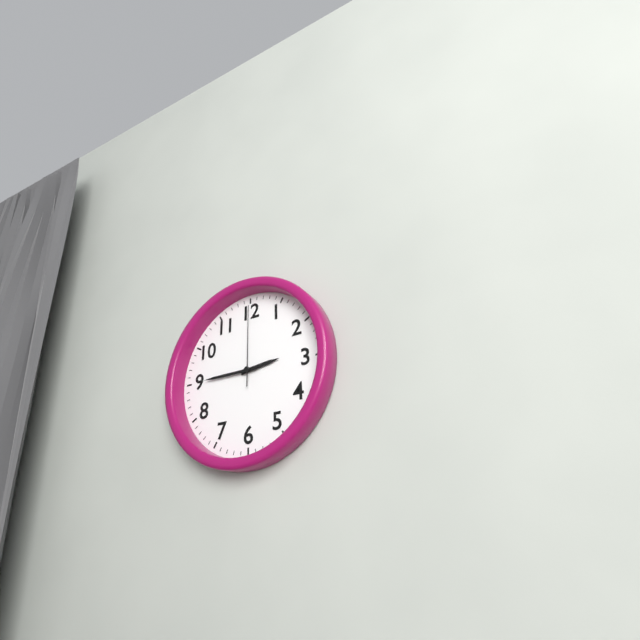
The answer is 2:45:00
